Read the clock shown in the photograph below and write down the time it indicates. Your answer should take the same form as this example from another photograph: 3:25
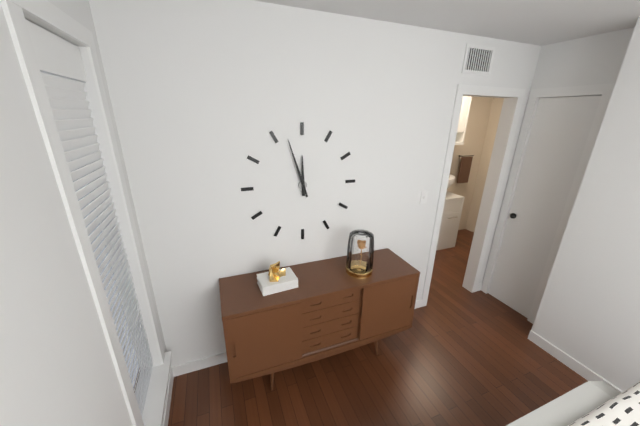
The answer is 11:57
